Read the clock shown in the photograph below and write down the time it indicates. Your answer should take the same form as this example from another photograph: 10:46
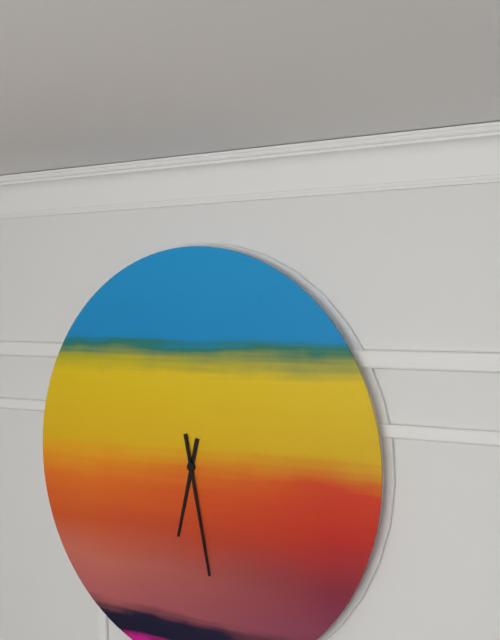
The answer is 6:28
